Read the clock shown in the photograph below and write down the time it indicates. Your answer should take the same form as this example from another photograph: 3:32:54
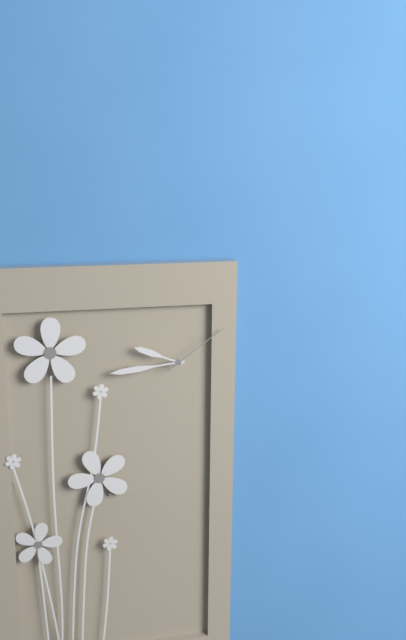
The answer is 9:44:09
